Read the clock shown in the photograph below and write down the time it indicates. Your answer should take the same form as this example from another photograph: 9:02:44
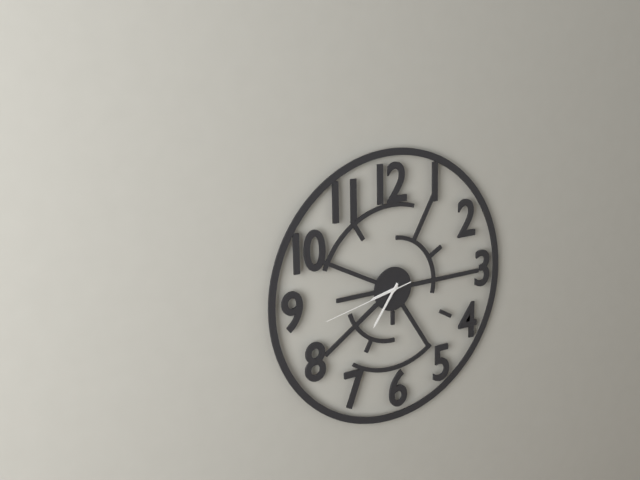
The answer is 8:36:43
